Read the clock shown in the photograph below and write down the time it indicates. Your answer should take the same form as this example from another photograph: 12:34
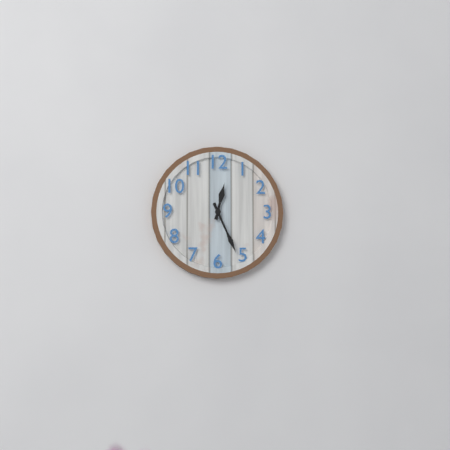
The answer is 12:26
